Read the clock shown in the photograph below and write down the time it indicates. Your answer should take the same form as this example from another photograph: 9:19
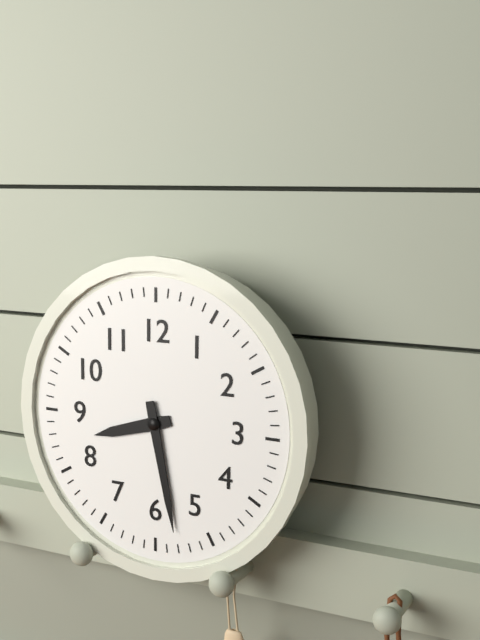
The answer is 8:28
